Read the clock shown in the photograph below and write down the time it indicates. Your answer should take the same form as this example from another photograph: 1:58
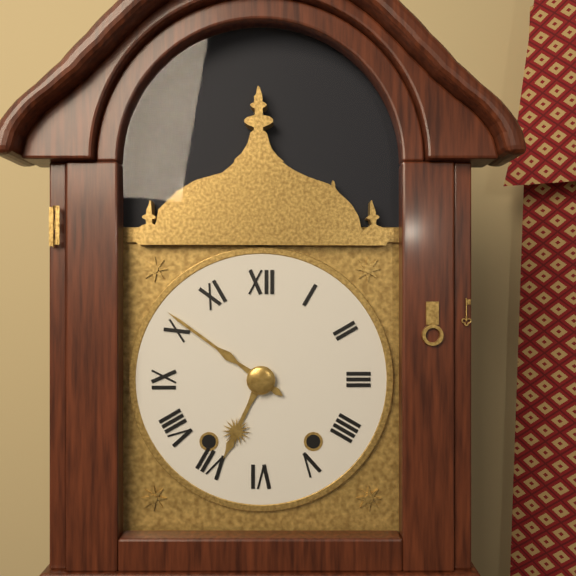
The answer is 6:51
